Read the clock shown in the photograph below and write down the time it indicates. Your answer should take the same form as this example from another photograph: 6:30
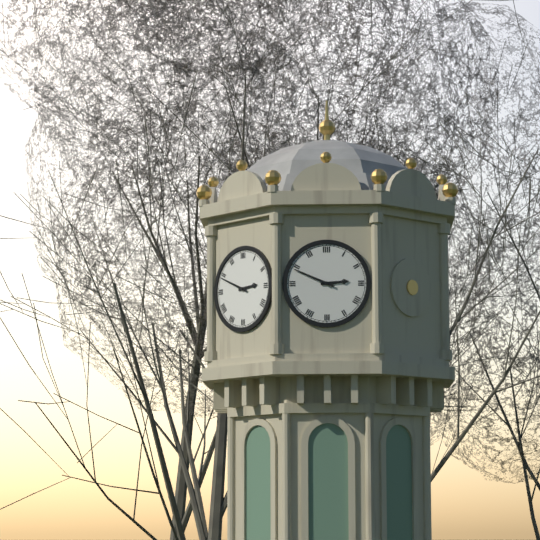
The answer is 2:49
